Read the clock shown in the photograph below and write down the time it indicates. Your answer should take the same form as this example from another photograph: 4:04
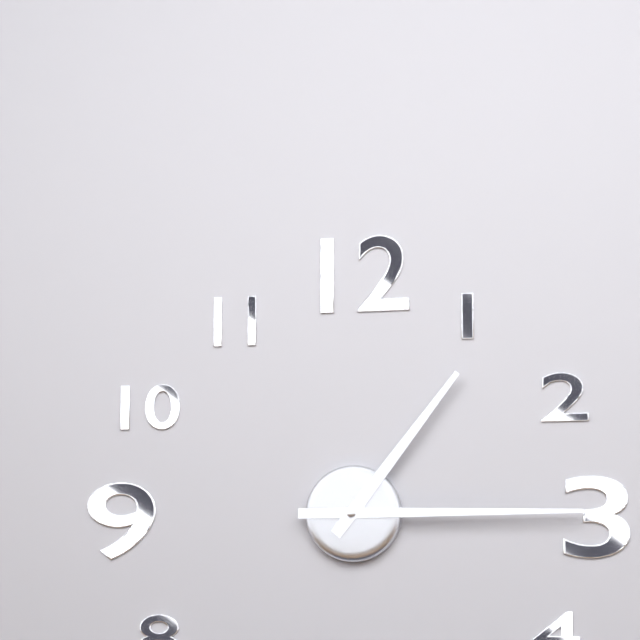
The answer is 1:15
